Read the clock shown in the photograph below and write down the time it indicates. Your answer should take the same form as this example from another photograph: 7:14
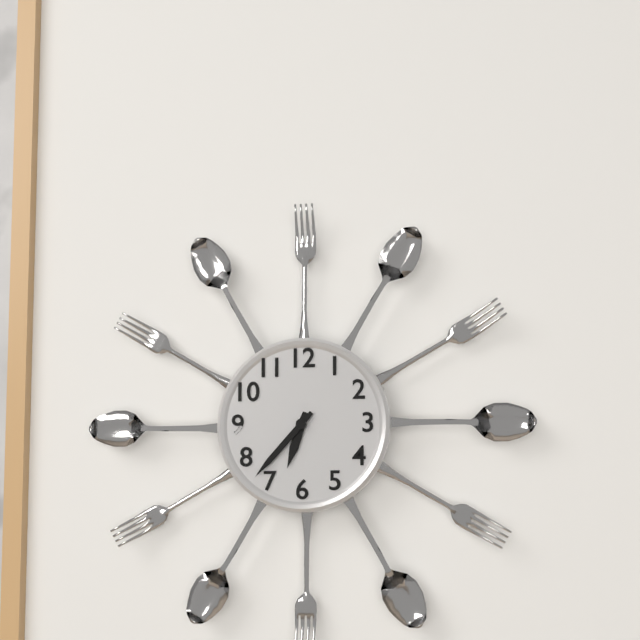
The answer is 6:37
